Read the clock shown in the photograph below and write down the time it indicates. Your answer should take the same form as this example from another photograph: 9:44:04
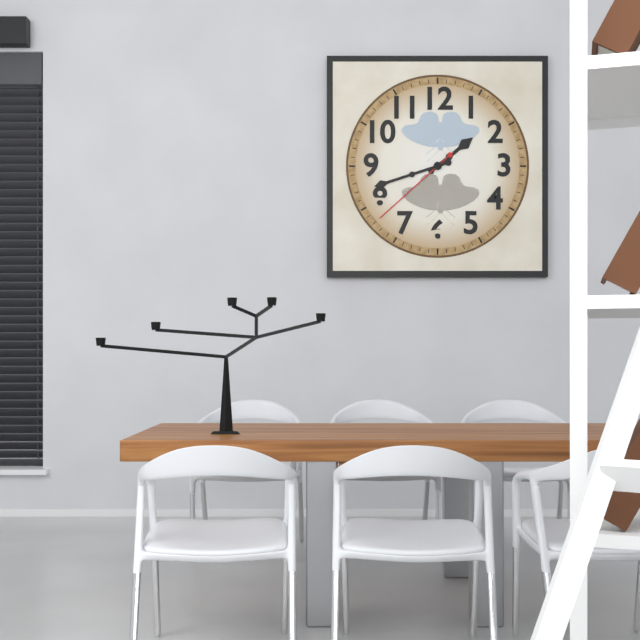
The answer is 1:42:38
